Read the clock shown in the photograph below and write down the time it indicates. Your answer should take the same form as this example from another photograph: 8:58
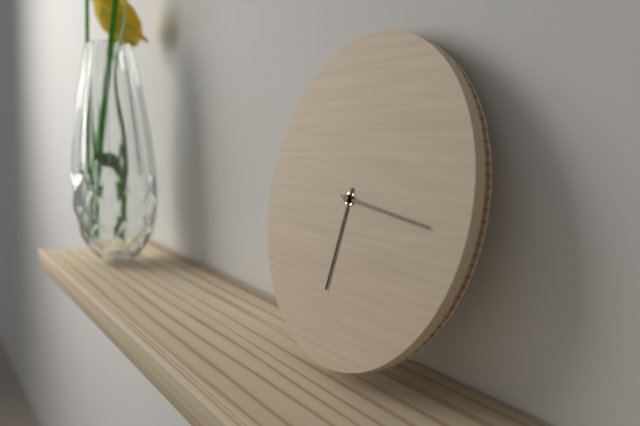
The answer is 6:16
